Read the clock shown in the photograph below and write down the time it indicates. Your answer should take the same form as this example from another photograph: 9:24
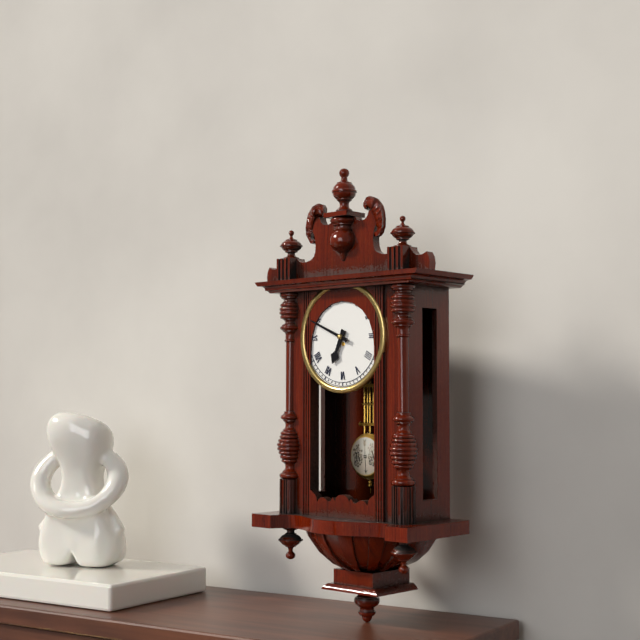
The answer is 6:49
